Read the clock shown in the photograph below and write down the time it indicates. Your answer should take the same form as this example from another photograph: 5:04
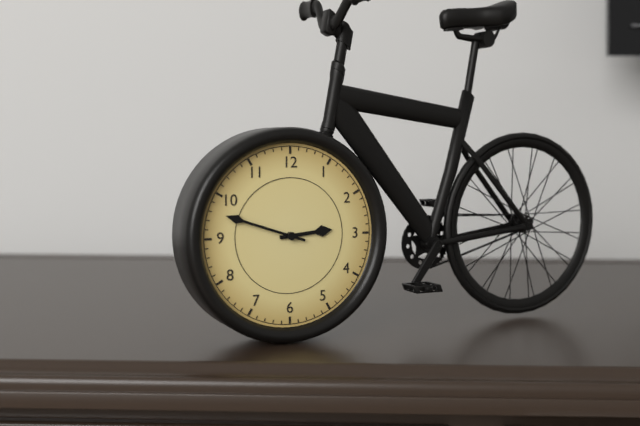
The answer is 2:48
